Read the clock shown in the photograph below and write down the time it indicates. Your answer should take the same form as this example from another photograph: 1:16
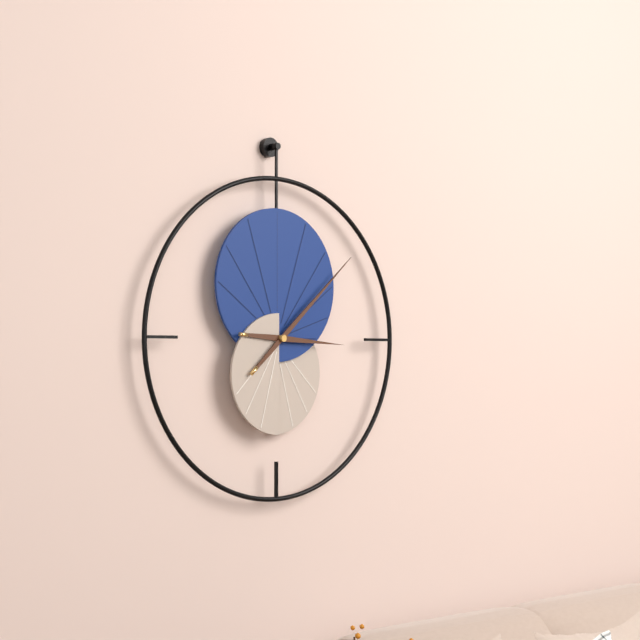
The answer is 3:08
